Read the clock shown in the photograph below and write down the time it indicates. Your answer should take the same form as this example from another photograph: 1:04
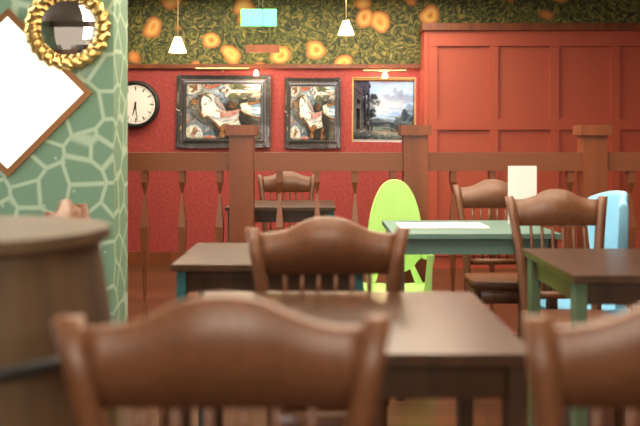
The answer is 6:29
